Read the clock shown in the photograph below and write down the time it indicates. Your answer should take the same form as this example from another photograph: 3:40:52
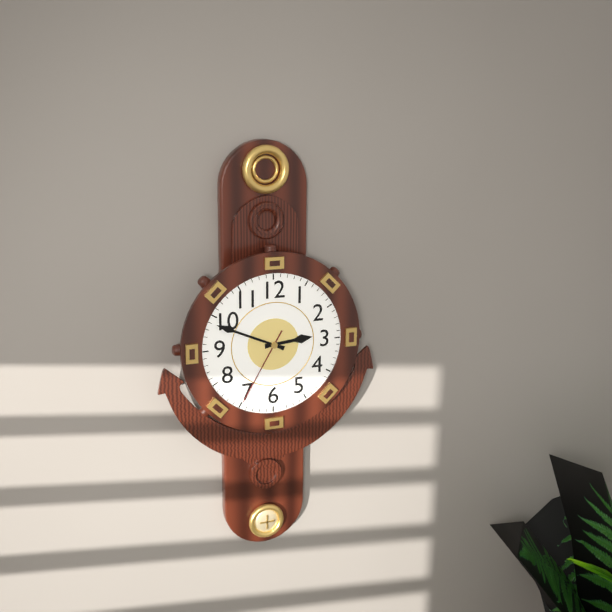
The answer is 2:49:35
